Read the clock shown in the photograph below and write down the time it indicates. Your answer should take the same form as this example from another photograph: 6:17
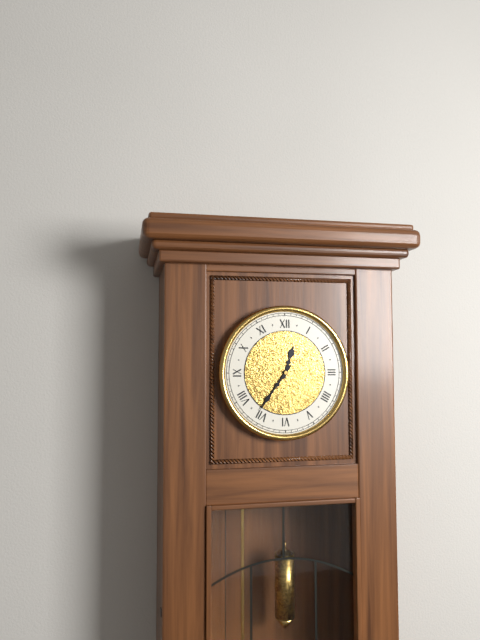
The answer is 12:36
